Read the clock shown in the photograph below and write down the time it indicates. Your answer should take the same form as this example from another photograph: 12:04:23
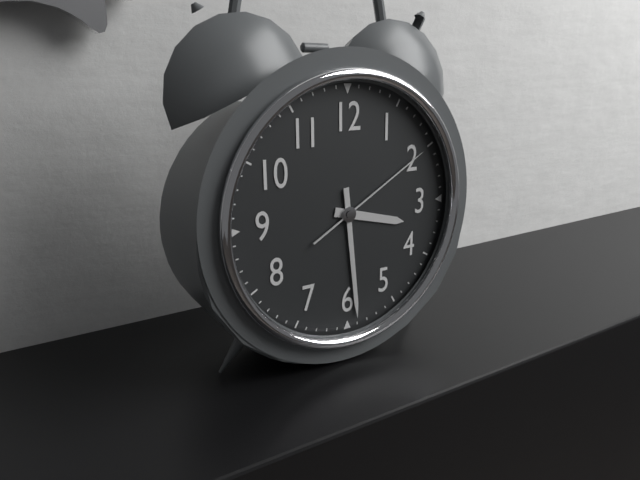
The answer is 3:29:10
